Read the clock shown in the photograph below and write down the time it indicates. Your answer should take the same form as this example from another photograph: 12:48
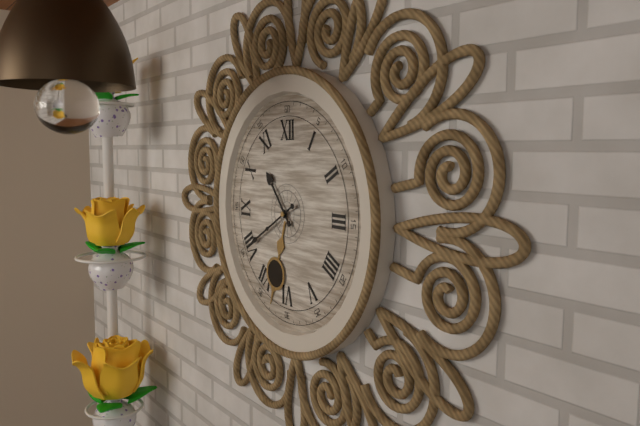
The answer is 10:40
